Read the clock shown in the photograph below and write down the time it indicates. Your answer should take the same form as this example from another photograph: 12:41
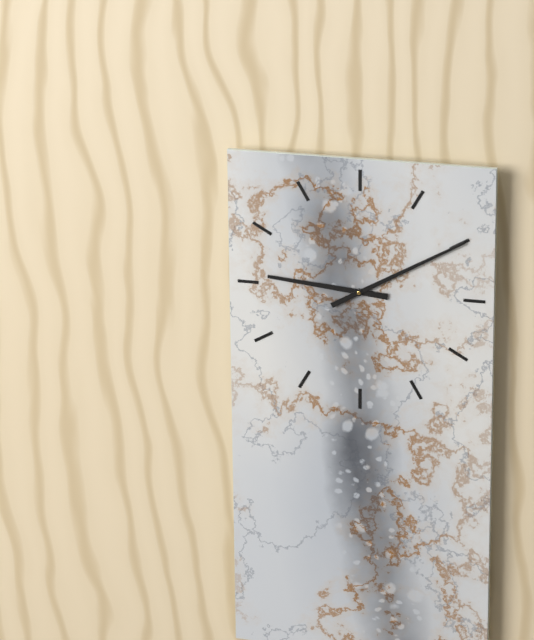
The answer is 9:10
